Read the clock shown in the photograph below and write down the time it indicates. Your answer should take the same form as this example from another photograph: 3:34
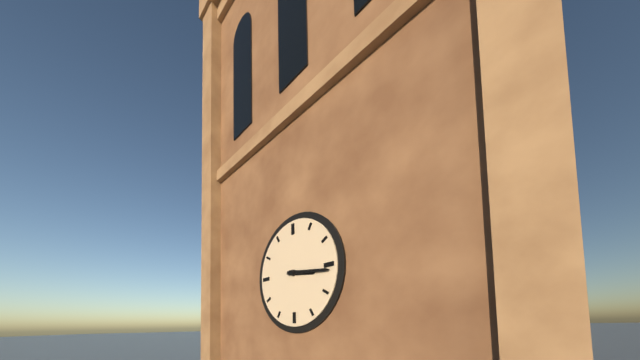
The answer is 3:16
